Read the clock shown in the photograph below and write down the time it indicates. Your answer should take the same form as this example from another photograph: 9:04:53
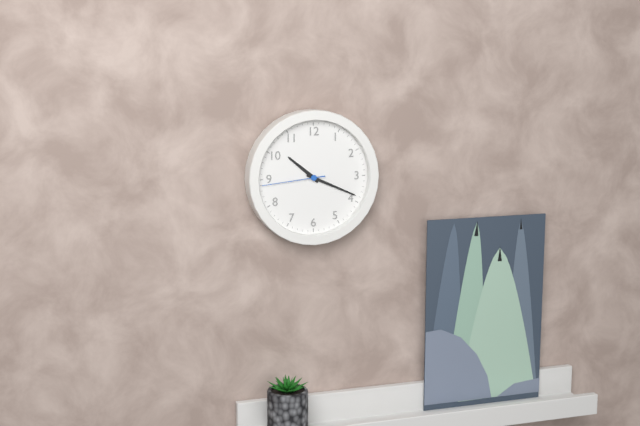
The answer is 10:19:44
